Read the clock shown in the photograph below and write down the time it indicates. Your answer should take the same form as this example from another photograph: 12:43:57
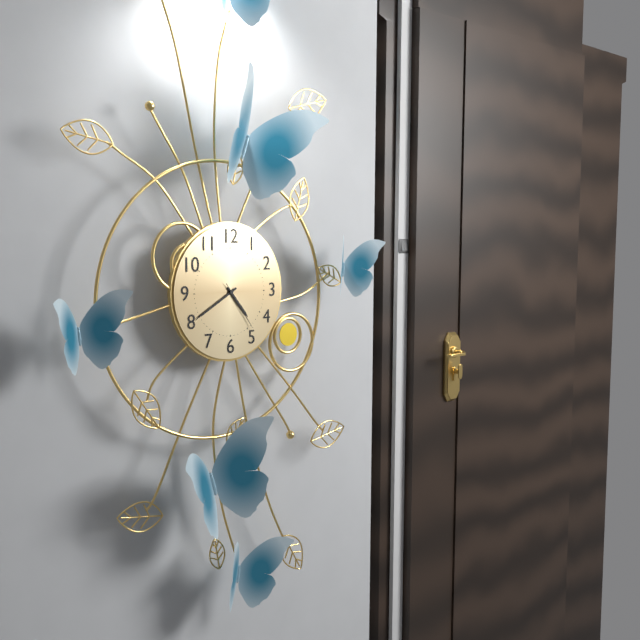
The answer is 4:40:24
